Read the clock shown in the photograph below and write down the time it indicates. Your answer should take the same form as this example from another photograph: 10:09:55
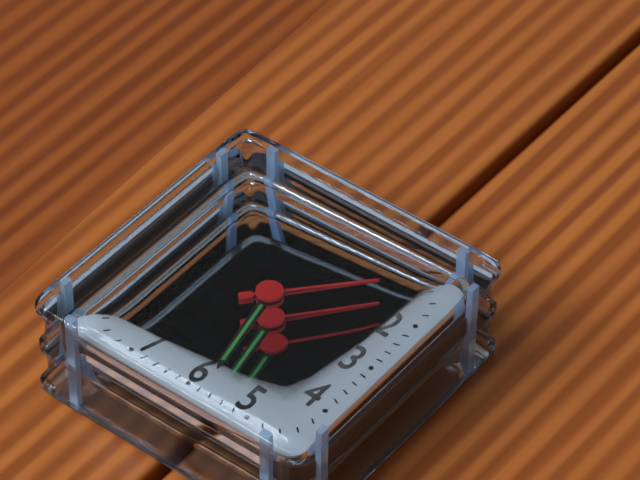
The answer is 5:28:07
